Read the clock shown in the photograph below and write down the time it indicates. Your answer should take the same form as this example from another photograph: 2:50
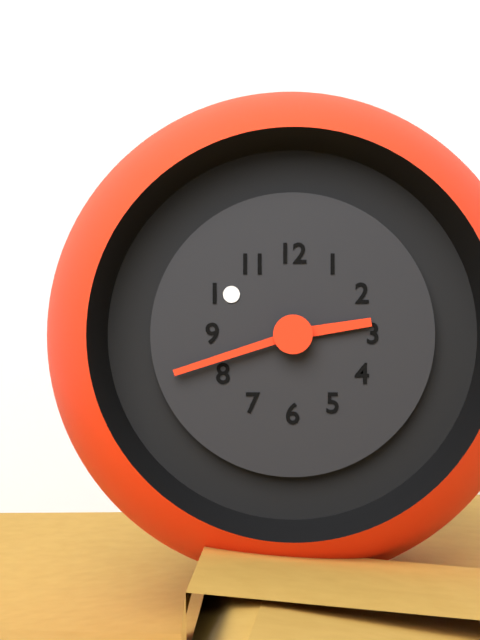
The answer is 2:42
